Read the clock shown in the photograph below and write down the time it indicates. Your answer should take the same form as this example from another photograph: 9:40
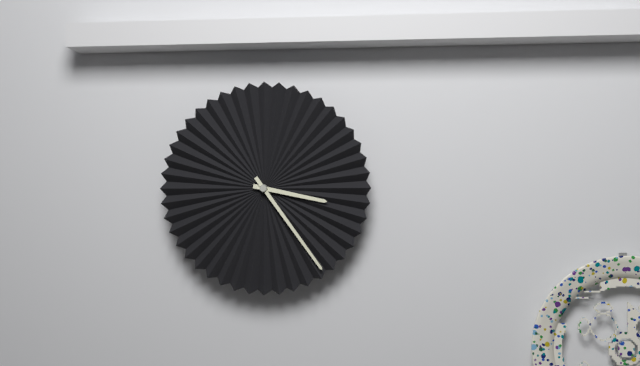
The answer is 3:24
